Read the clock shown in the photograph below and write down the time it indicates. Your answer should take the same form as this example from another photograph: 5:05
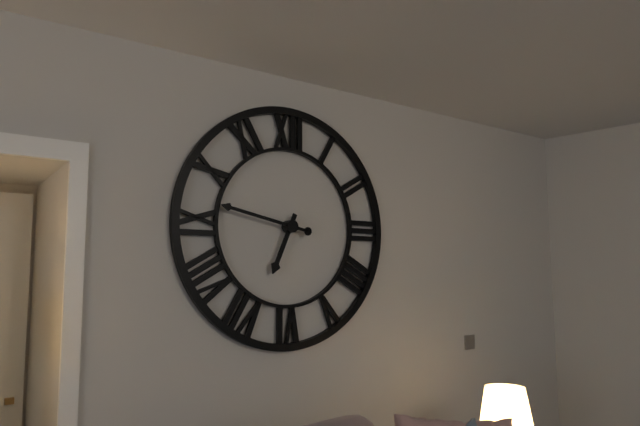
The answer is 6:47
